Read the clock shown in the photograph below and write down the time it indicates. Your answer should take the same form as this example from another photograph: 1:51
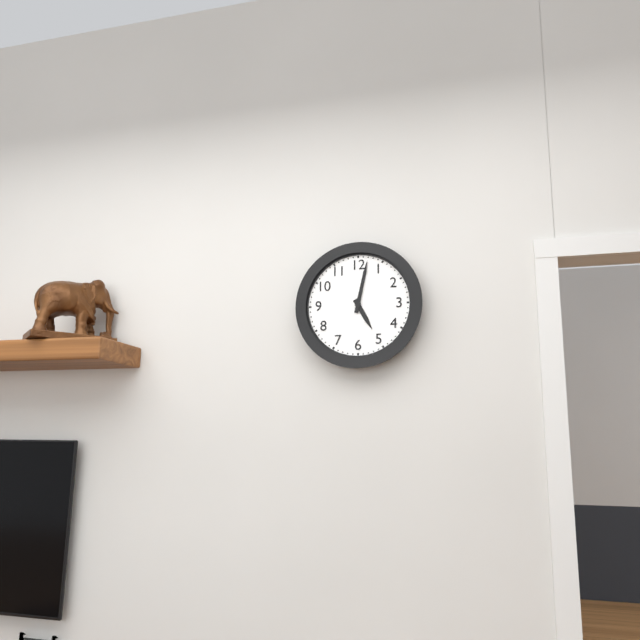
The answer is 5:02
